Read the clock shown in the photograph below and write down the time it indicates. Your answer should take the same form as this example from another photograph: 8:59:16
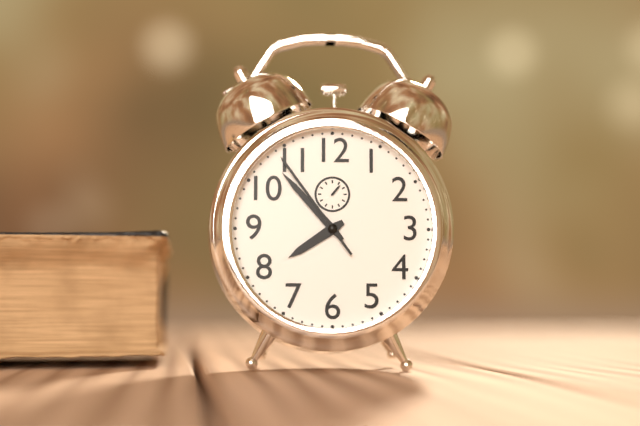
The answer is 7:53:54
